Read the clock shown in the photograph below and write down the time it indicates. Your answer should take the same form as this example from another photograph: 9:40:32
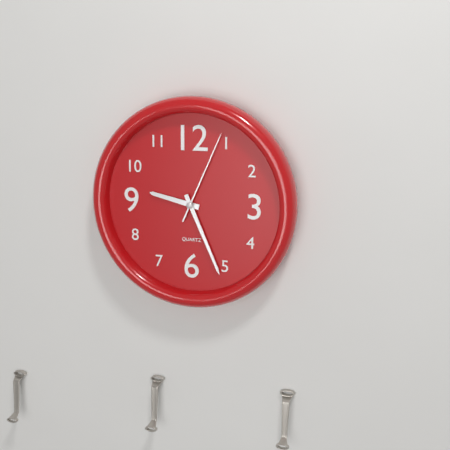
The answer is 9:26:04
